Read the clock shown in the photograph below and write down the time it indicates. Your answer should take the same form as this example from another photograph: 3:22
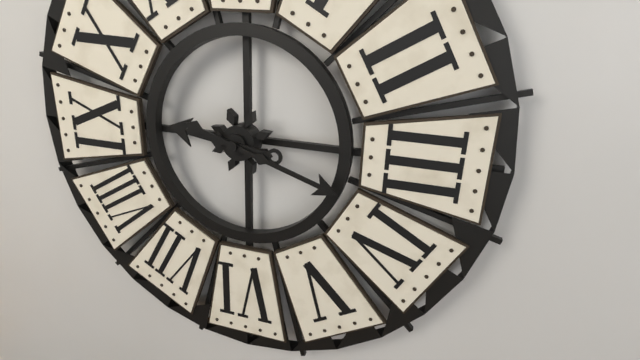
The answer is 9:18
